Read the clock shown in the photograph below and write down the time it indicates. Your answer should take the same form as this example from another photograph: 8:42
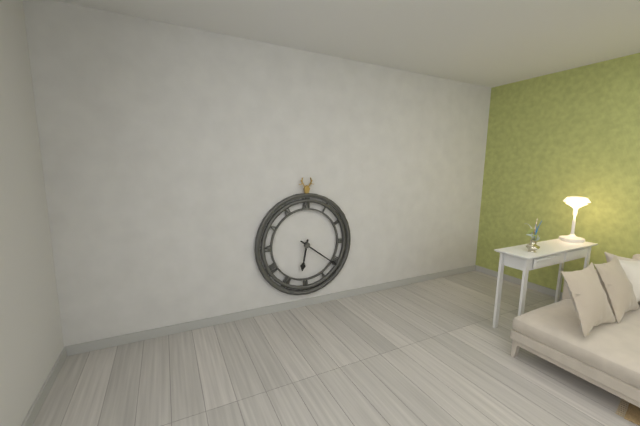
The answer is 6:21
